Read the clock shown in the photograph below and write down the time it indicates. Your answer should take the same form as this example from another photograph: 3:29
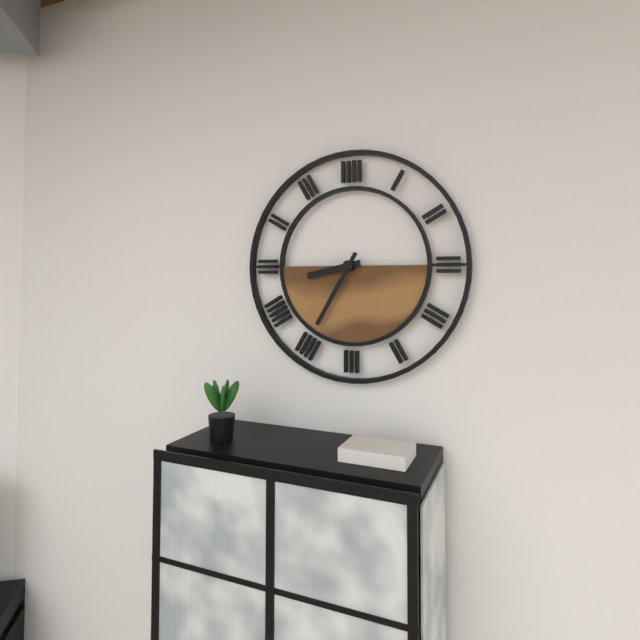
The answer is 8:35
